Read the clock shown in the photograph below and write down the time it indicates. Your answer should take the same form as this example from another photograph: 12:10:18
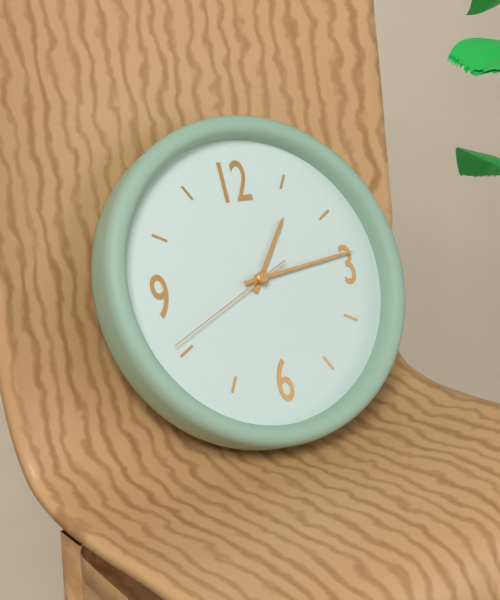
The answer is 1:14:41
